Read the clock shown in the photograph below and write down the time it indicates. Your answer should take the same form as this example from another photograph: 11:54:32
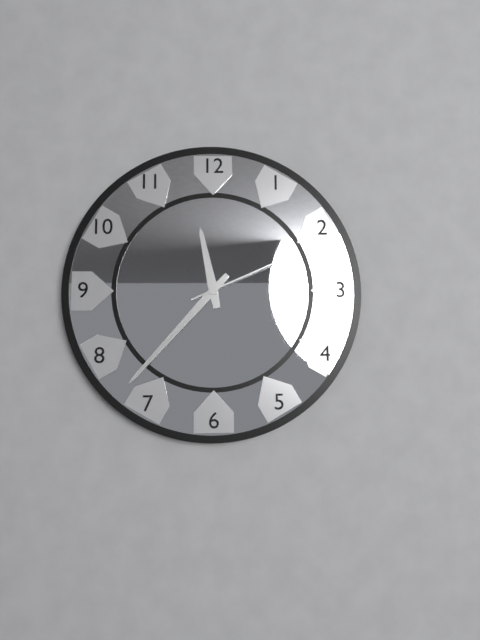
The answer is 11:37:11
